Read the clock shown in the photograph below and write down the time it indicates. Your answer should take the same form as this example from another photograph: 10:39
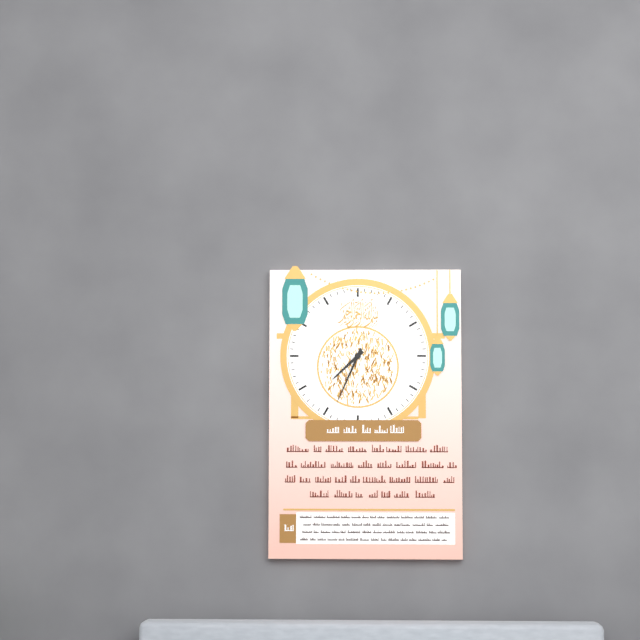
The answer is 7:34
